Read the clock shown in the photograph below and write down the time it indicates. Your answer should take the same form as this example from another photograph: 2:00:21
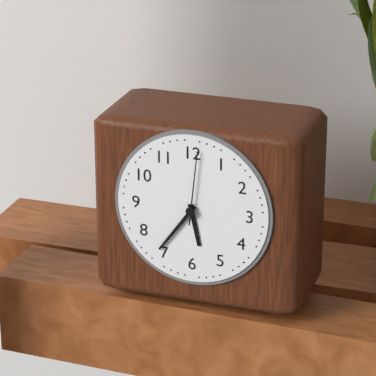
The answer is 5:36:01
